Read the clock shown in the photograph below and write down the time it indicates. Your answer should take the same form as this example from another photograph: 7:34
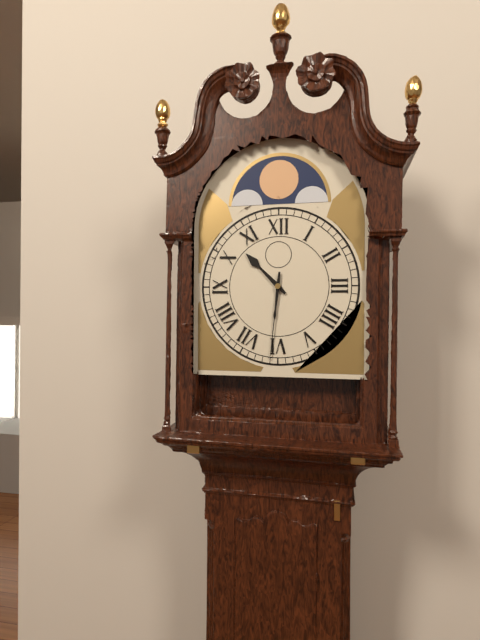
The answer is 10:31
